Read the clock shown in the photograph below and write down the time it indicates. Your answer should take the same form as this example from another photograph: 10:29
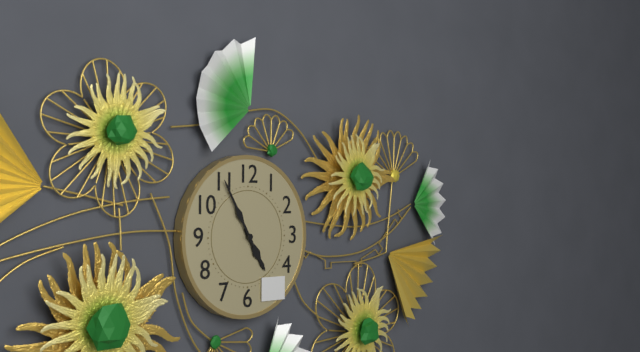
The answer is 4:55
